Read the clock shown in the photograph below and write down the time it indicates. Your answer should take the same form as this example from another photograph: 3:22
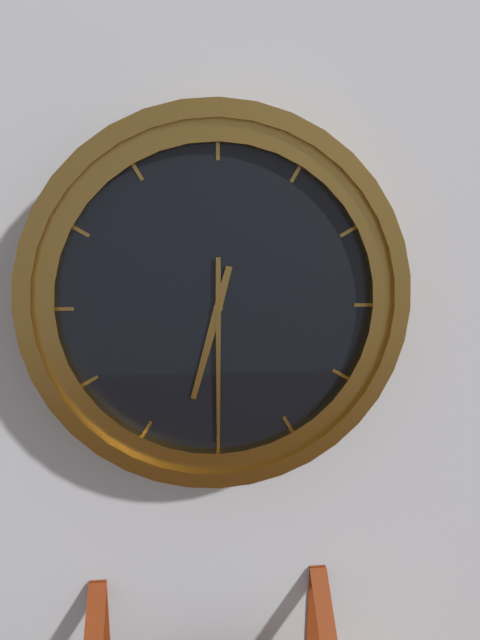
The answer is 6:30
